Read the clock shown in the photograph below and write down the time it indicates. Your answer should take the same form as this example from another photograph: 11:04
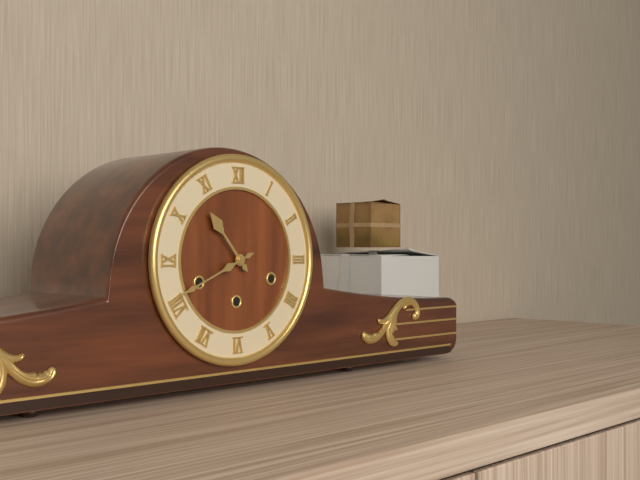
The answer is 10:41
